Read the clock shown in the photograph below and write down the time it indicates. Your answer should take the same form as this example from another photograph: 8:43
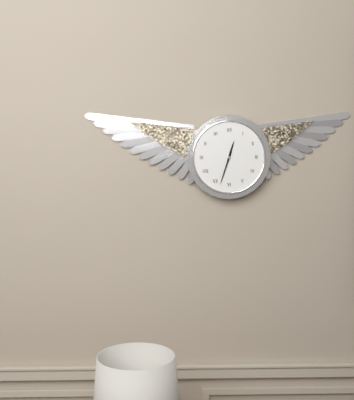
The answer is 12:33
